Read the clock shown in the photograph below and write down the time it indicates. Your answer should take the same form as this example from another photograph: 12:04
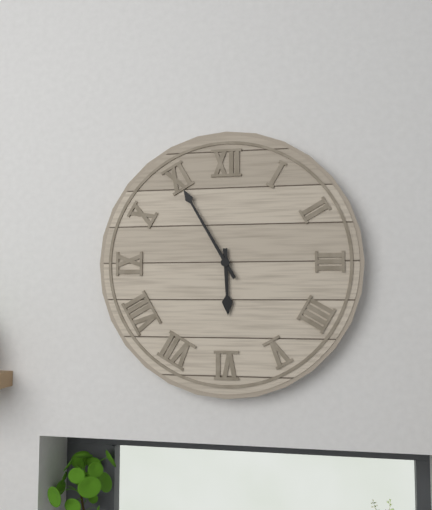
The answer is 5:55
